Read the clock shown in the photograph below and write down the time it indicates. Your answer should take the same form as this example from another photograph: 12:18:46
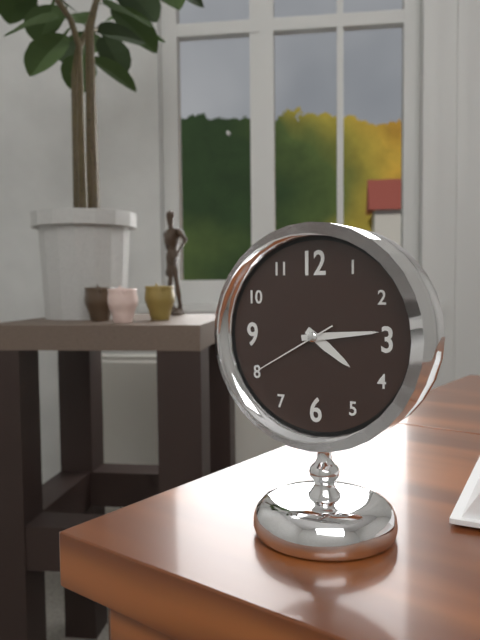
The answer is 4:14:40
